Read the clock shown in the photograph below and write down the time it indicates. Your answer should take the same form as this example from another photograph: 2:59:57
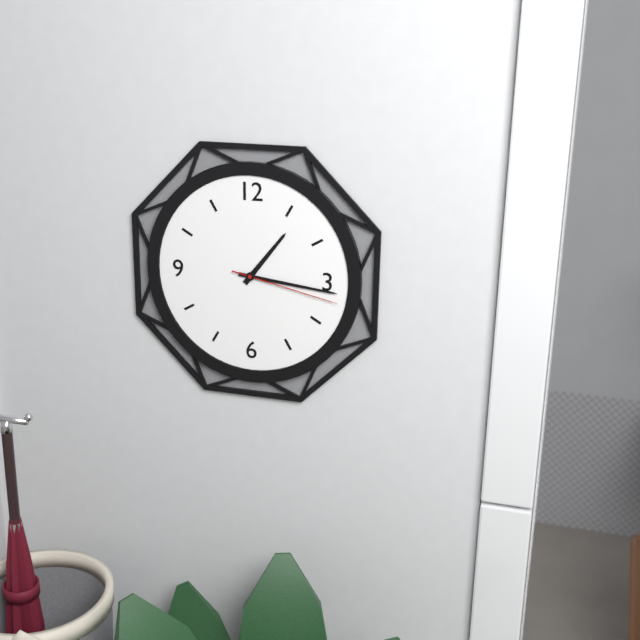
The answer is 1:16:17
